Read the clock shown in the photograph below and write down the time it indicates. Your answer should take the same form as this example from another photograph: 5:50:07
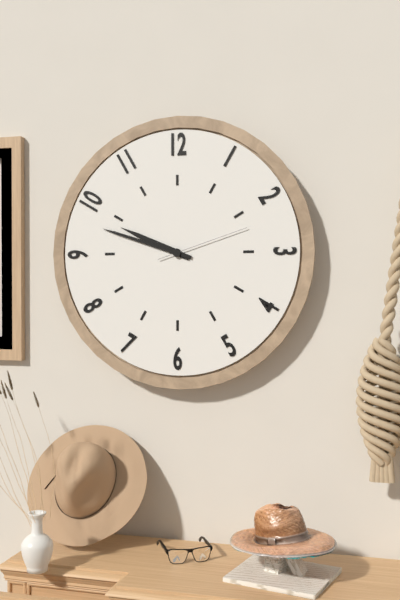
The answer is 9:48:12
